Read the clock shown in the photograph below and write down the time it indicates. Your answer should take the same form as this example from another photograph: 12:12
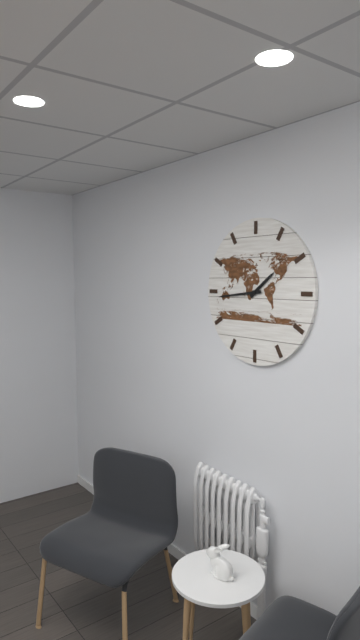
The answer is 1:44
